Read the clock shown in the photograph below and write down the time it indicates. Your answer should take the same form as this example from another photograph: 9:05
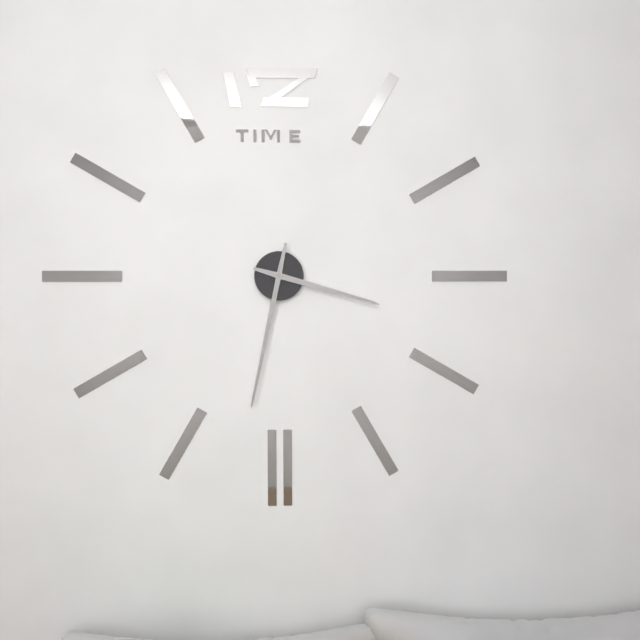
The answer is 3:32
